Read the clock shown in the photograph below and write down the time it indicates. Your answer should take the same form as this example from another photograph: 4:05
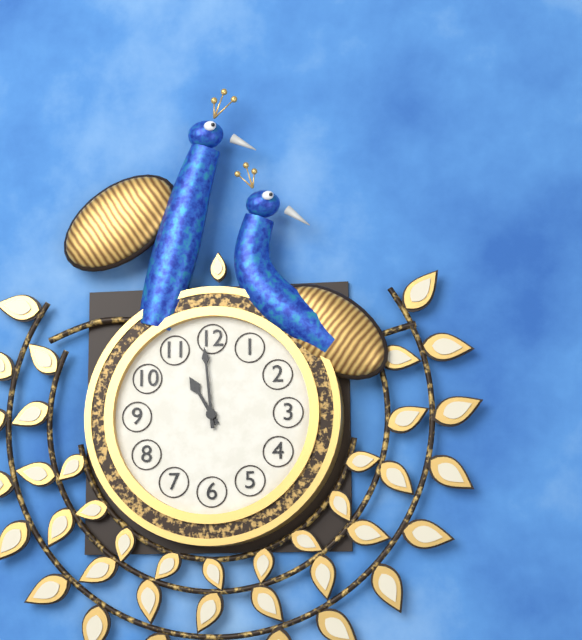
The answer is 10:59
